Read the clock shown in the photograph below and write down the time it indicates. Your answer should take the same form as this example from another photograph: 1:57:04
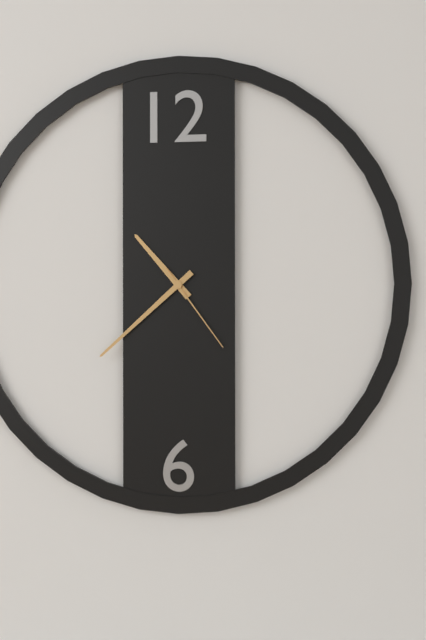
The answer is 10:38:24
